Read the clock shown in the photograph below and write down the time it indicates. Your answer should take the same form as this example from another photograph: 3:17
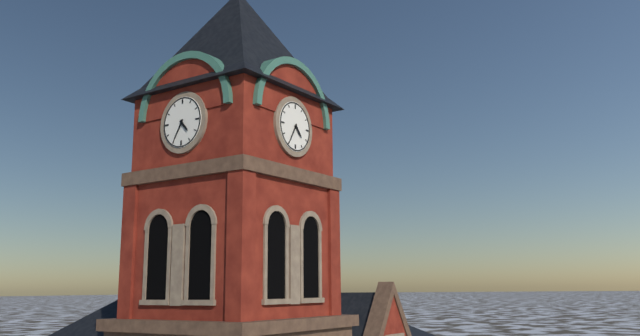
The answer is 4:35
